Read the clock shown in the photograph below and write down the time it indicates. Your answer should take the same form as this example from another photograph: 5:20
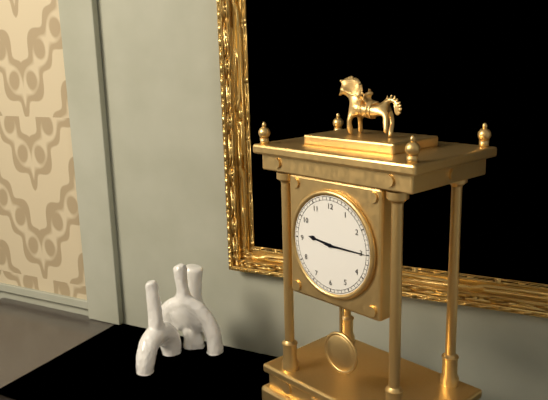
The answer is 9:15
